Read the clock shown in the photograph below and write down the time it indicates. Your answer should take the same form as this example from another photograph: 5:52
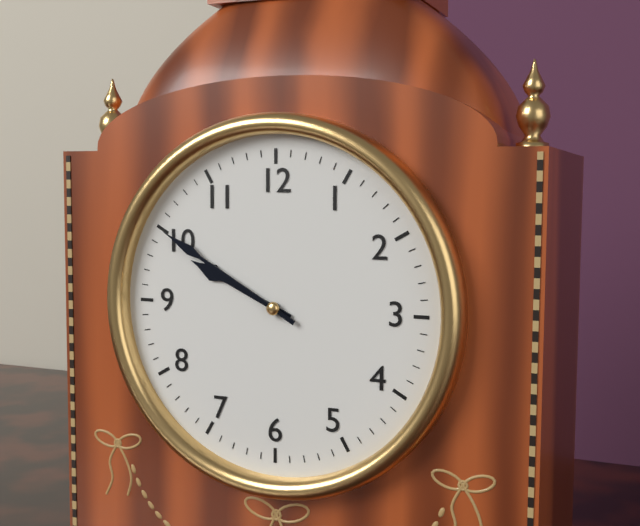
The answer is 9:50
